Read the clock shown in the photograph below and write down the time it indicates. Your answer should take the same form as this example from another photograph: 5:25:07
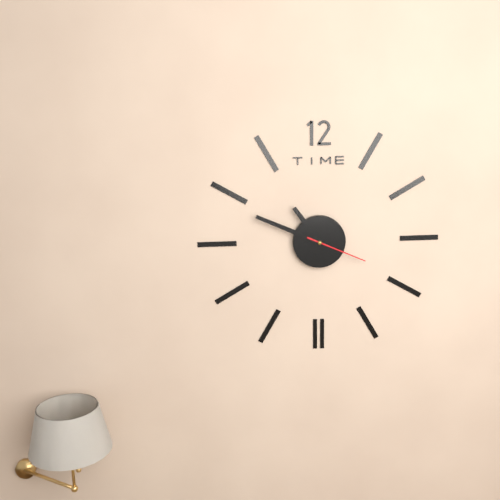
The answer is 10:49:19
